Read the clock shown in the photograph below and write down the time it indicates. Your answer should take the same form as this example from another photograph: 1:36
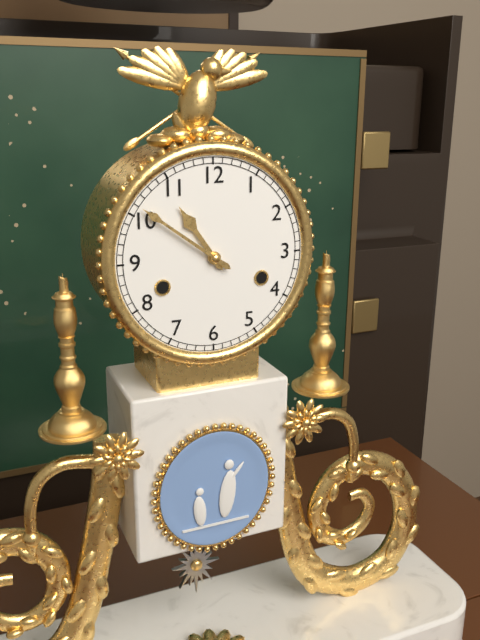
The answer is 10:51
